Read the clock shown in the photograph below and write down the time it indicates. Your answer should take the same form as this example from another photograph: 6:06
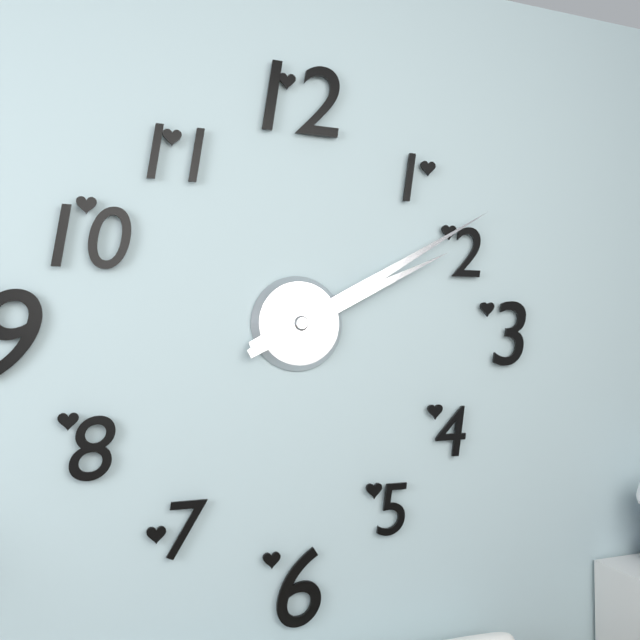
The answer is 2:10
